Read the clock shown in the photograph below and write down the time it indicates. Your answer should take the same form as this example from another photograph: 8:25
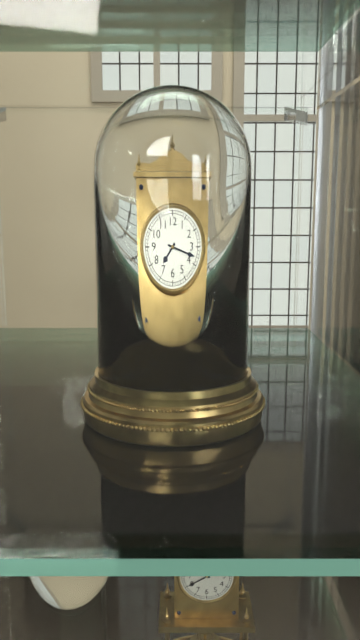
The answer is 7:18
